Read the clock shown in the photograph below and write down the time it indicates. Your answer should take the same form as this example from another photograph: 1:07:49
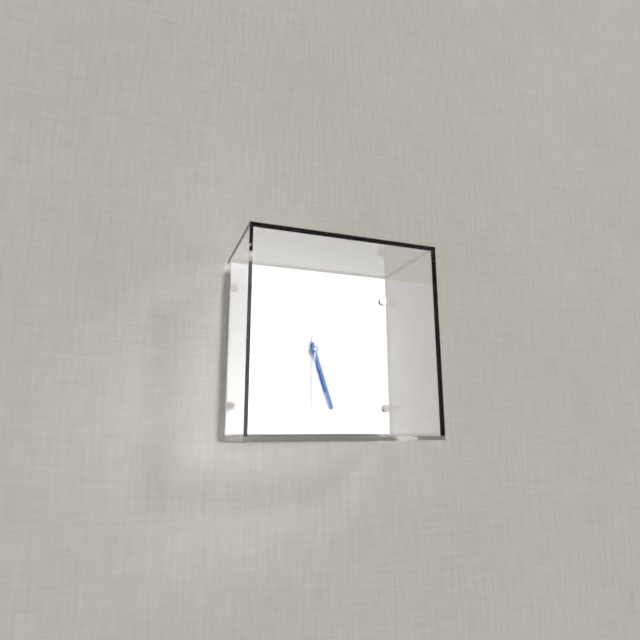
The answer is 5:27:30
